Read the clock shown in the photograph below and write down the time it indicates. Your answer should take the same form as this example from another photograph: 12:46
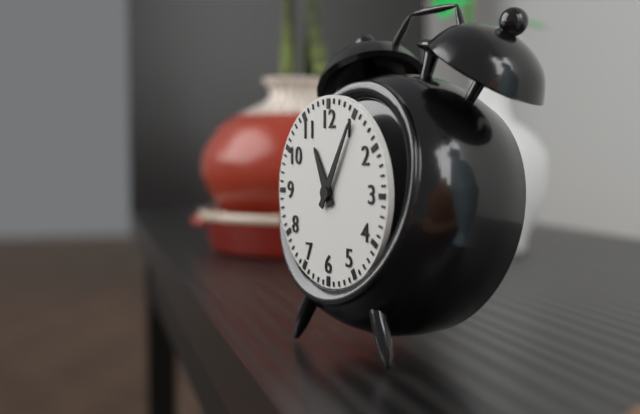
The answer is 11:05
